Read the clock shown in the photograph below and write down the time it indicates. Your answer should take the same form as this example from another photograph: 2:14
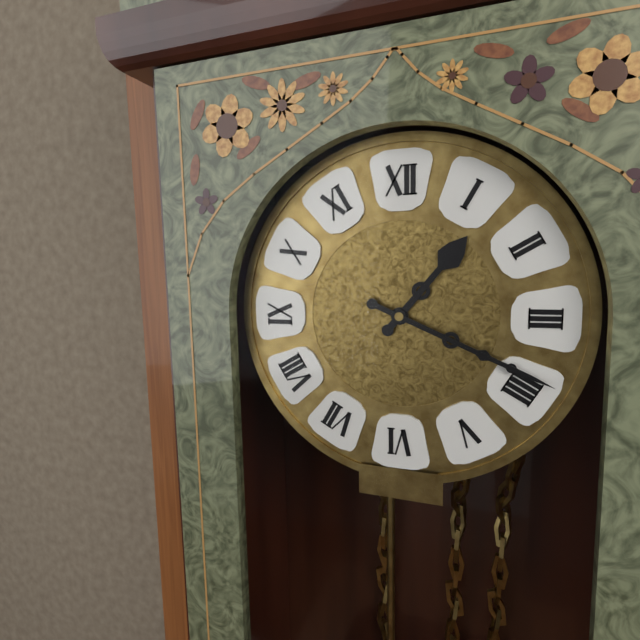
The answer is 1:19
